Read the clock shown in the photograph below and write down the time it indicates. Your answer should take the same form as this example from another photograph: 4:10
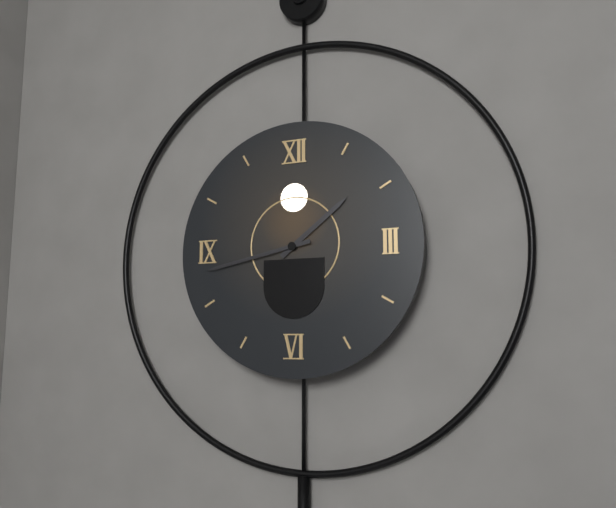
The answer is 1:43
